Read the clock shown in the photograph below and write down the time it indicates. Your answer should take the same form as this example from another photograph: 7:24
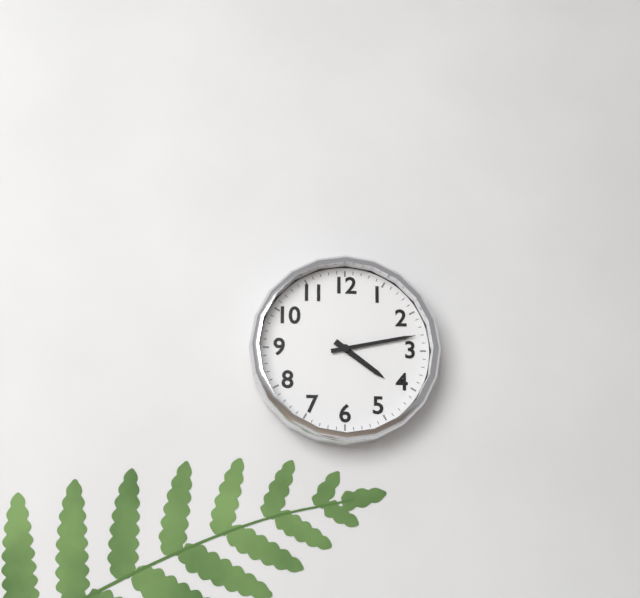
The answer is 4:13
